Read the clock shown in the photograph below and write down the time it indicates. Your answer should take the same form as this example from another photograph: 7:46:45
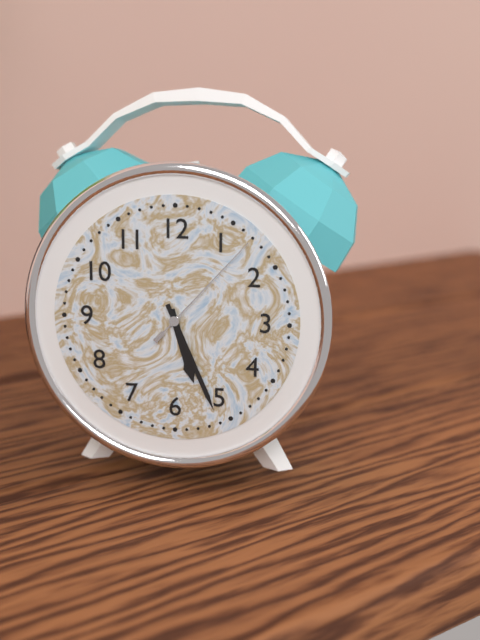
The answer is 5:26:07
